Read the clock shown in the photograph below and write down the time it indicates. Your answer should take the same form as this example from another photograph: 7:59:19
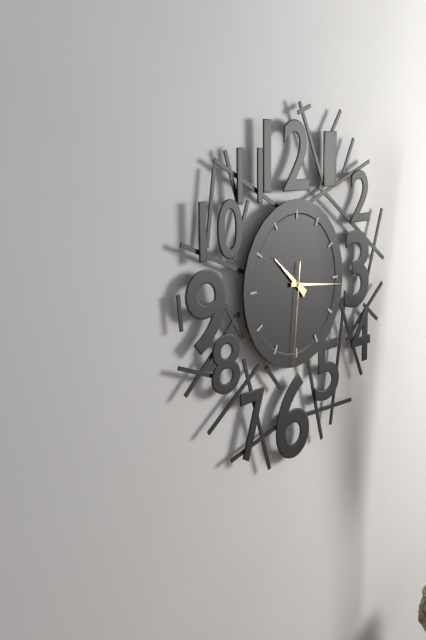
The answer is 10:16:31
